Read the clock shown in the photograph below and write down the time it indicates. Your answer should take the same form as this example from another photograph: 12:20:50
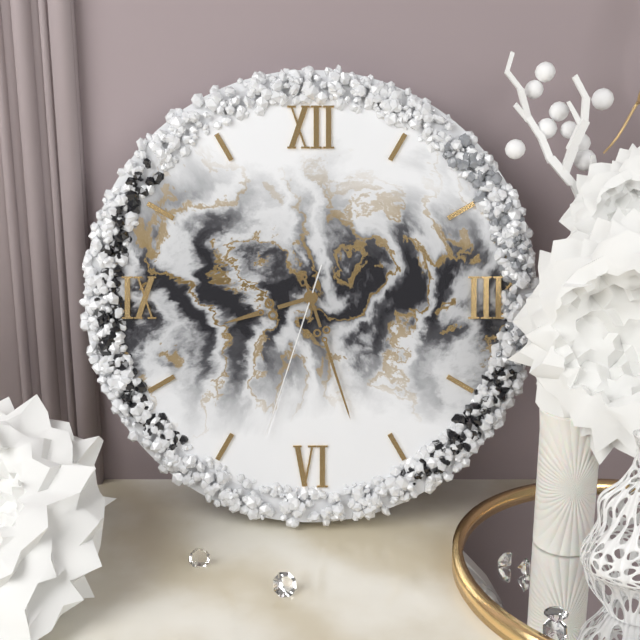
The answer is 8:27:33
